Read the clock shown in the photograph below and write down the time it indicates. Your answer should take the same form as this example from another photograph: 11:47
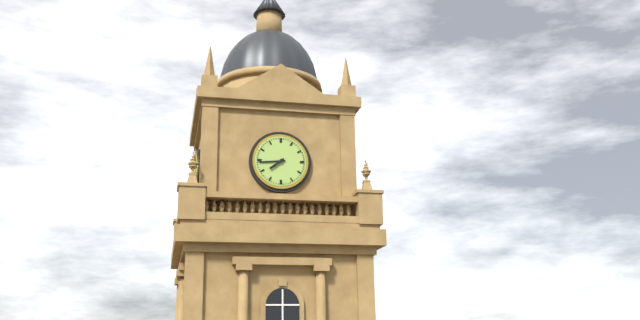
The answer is 7:44
